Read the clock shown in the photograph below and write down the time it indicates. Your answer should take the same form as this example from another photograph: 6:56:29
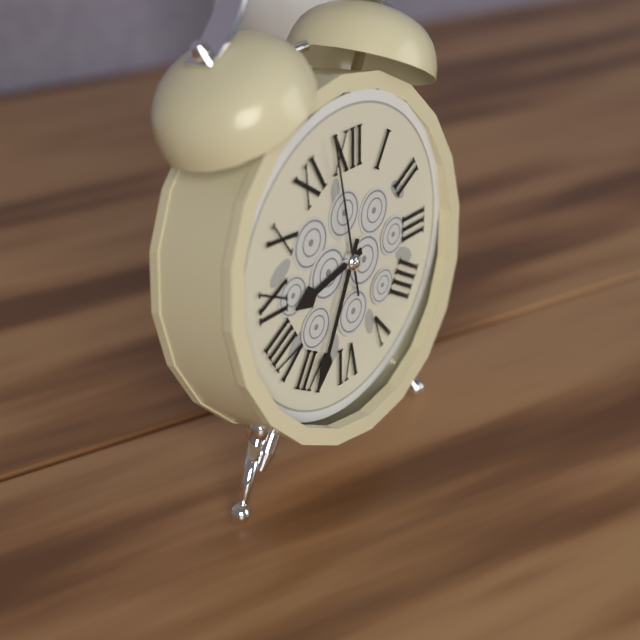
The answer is 8:34:58
